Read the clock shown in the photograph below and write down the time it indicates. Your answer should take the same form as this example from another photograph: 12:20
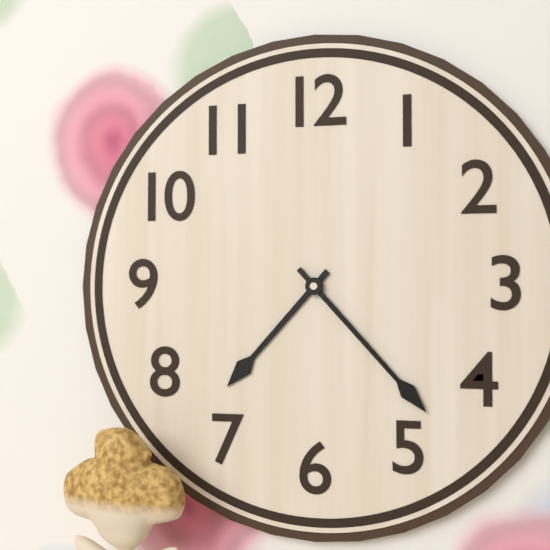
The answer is 7:23
